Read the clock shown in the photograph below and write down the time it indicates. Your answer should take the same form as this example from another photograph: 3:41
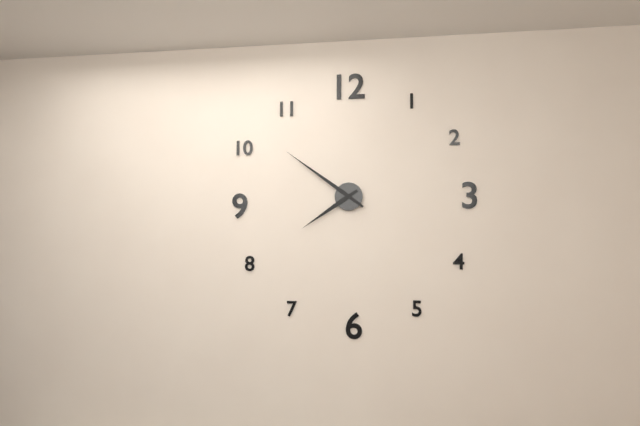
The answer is 7:51
